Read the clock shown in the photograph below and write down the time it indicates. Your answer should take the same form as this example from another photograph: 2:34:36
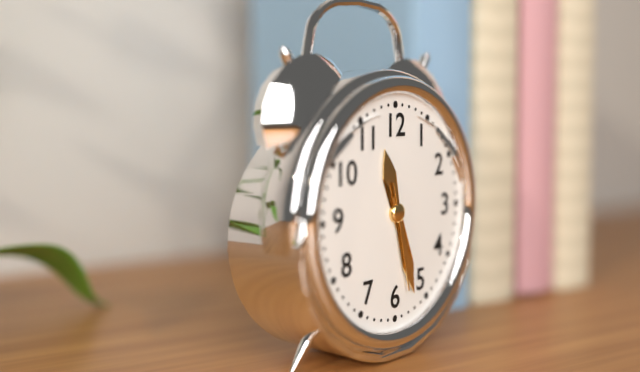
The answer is 11:27:28
